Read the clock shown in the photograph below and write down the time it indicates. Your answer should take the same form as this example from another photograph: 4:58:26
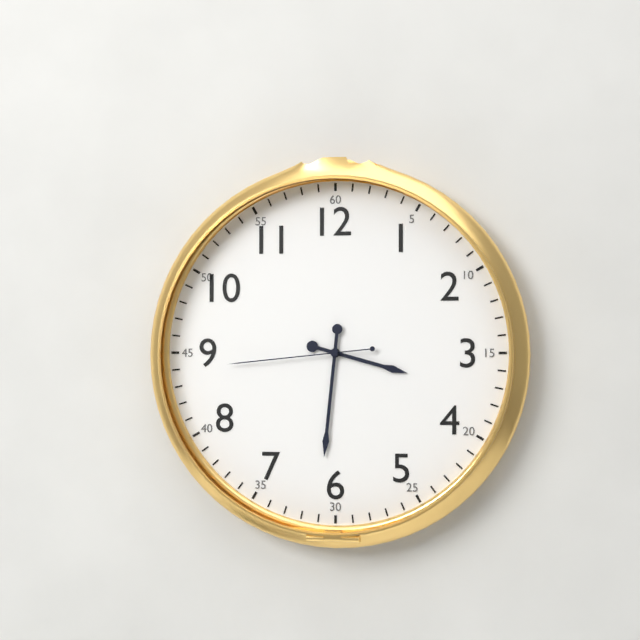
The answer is 3:31:44
